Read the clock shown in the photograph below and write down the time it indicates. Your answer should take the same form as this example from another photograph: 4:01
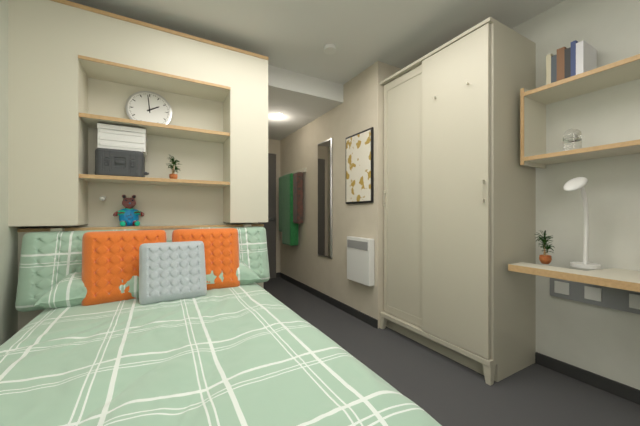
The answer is 1:59
